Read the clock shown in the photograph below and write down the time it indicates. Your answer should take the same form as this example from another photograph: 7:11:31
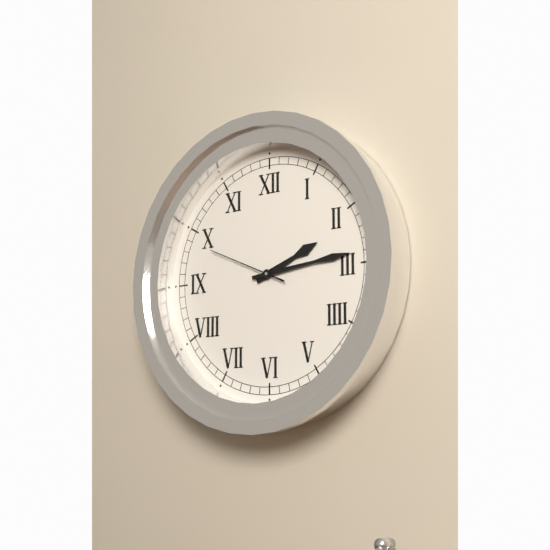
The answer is 2:14:49
